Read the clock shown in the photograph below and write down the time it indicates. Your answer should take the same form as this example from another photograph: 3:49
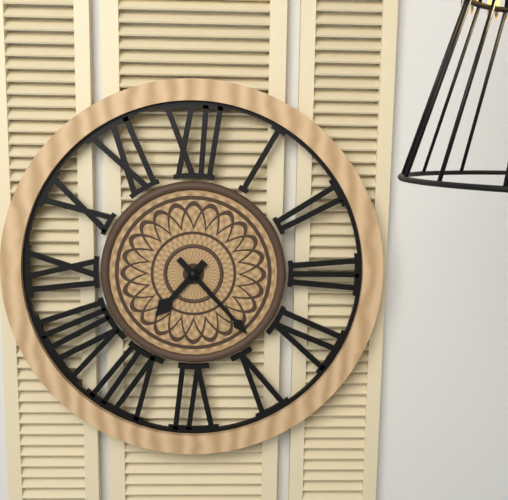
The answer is 7:23
